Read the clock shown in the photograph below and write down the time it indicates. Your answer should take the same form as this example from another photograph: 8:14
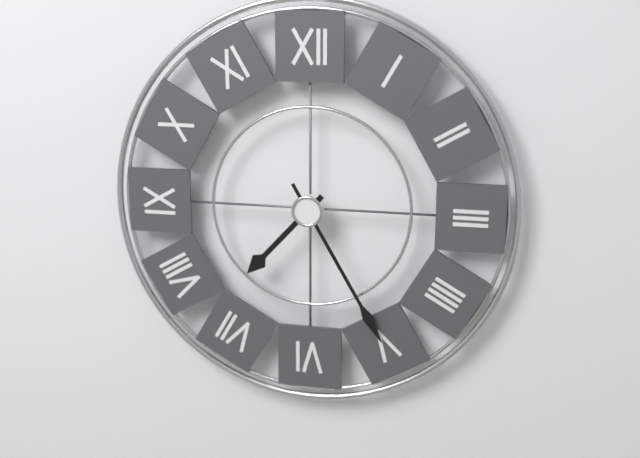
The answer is 7:25
